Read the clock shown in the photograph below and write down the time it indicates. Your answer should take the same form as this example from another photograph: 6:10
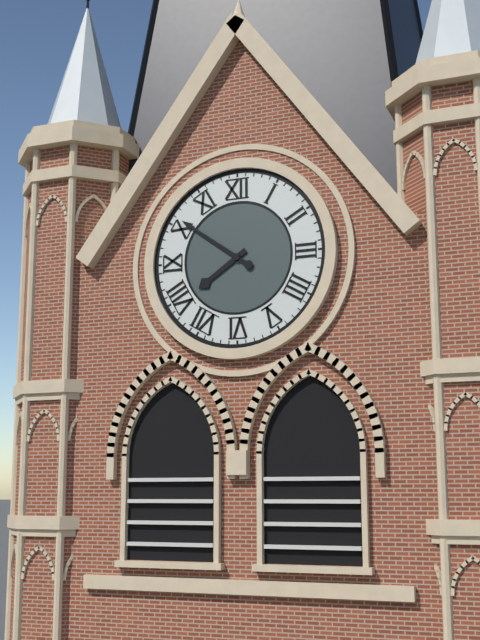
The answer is 7:51
